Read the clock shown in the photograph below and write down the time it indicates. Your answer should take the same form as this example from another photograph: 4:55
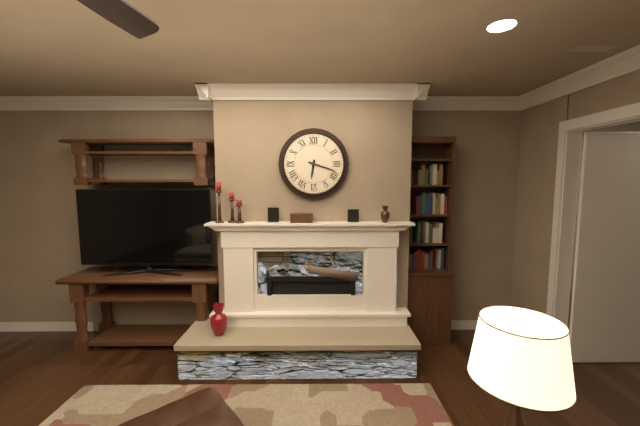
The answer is 6:18
